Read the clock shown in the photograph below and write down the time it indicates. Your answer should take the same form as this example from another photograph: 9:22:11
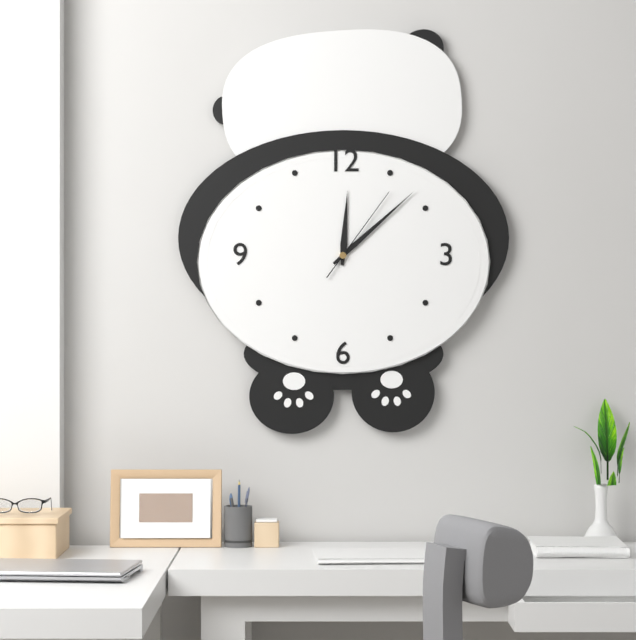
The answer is 12:08:06
